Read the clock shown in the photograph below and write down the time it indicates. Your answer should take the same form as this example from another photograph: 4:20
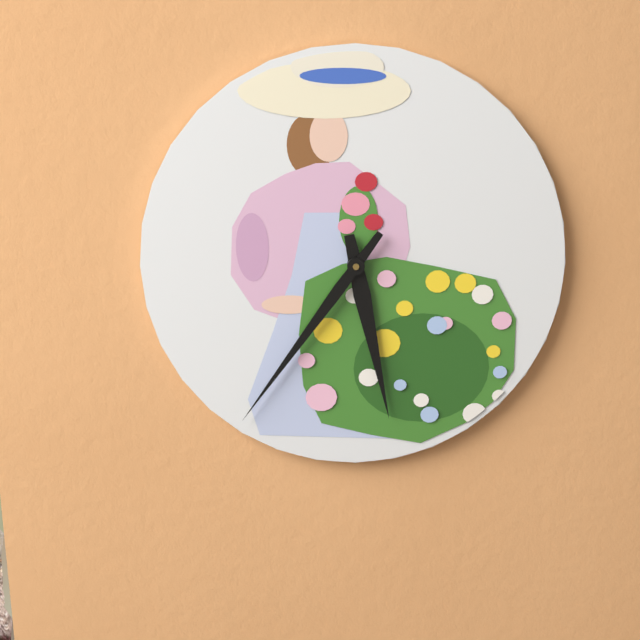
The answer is 5:36
